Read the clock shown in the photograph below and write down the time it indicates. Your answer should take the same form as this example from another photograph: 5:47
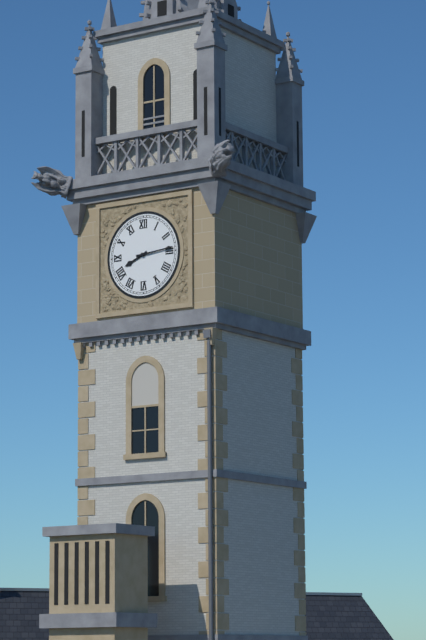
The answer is 8:14
